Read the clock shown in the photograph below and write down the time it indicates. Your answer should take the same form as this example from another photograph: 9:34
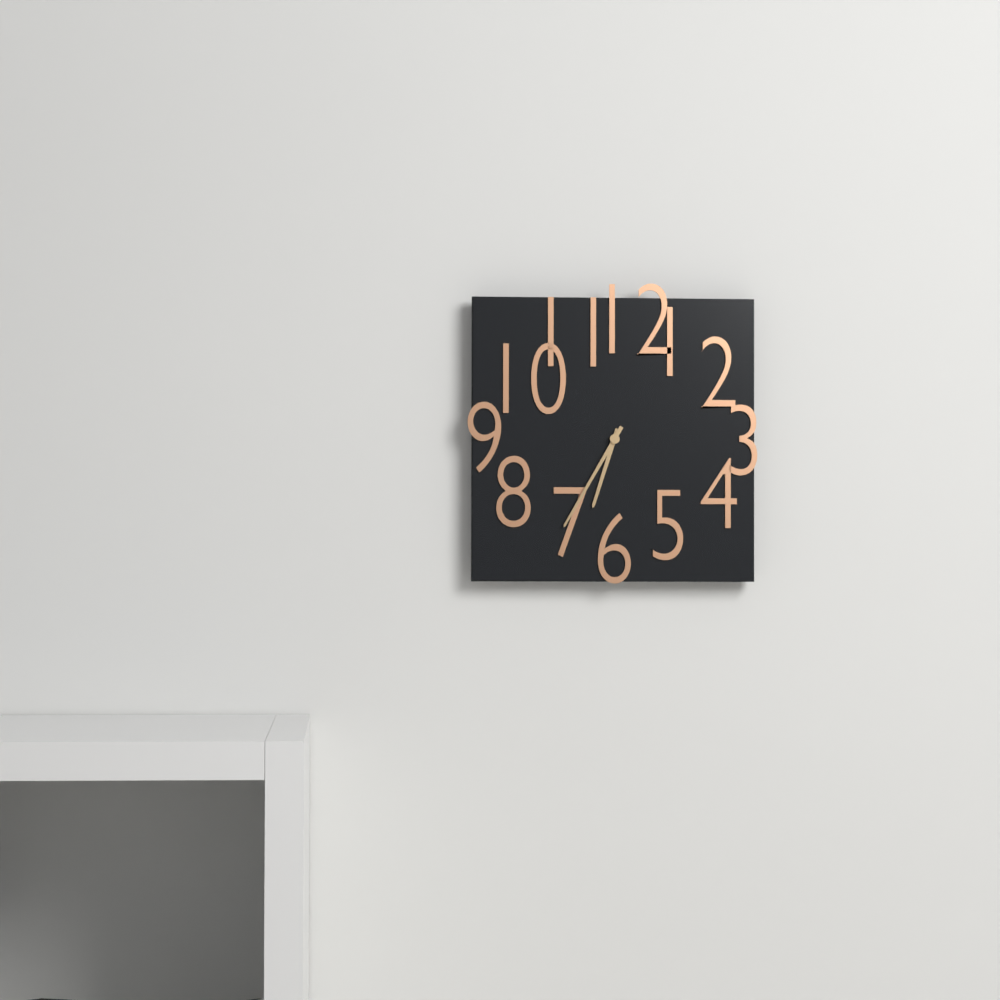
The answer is 6:35
